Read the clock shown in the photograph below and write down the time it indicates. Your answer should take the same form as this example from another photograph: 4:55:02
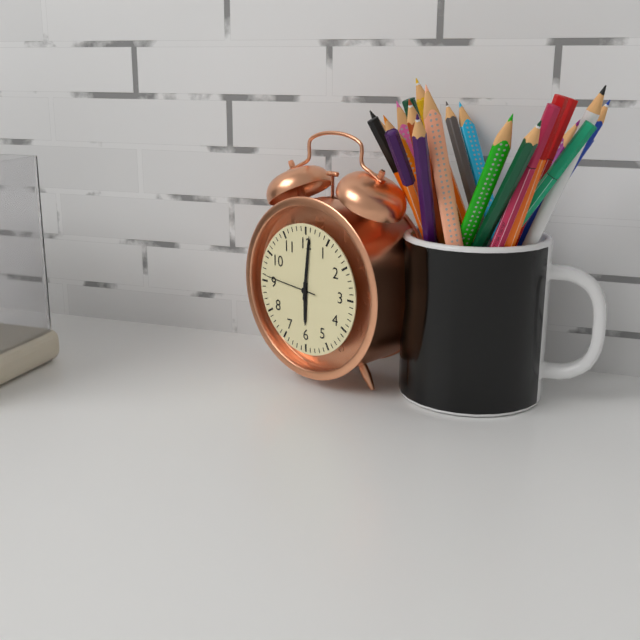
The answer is 6:01:46
